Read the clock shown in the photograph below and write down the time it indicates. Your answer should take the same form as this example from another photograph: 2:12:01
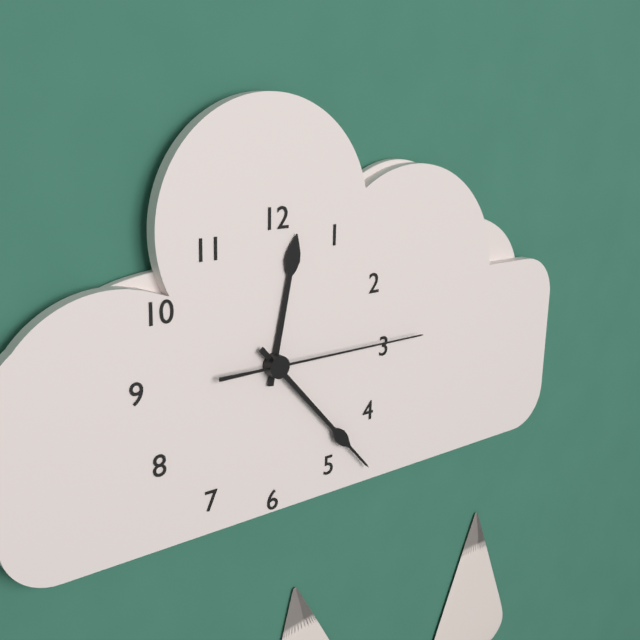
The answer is 12:23:15
